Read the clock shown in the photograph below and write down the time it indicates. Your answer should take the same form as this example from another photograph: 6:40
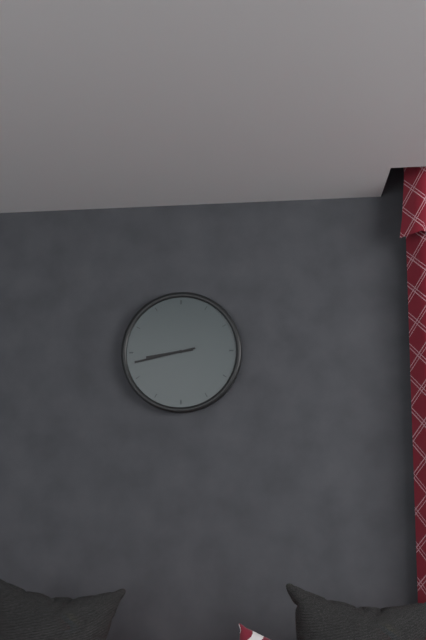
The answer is 8:43
